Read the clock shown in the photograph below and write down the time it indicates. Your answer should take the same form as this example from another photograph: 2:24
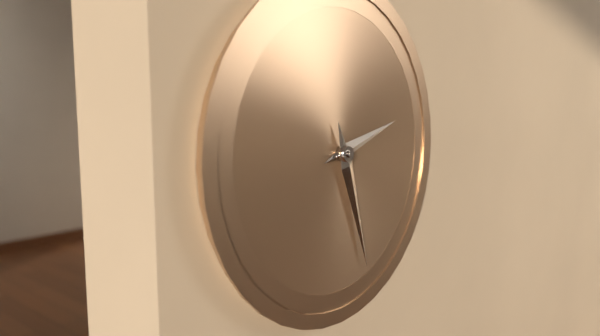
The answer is 2:27
